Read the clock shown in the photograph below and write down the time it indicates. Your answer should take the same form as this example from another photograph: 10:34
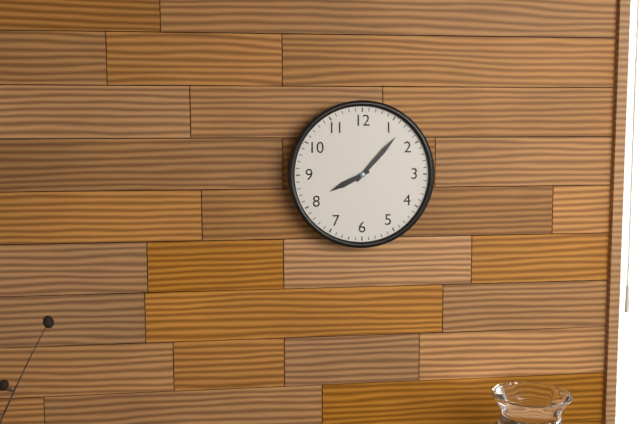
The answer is 8:07
